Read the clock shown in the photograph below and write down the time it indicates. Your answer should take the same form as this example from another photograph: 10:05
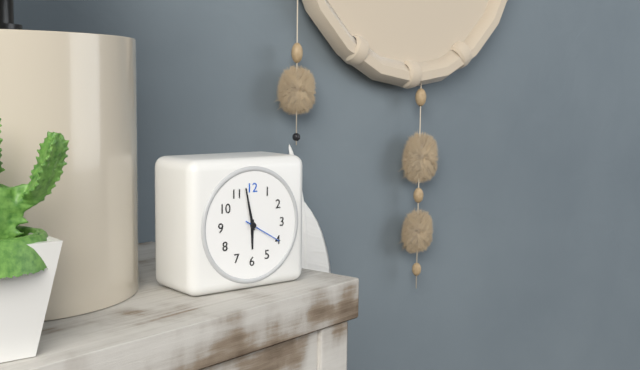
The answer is 5:58
